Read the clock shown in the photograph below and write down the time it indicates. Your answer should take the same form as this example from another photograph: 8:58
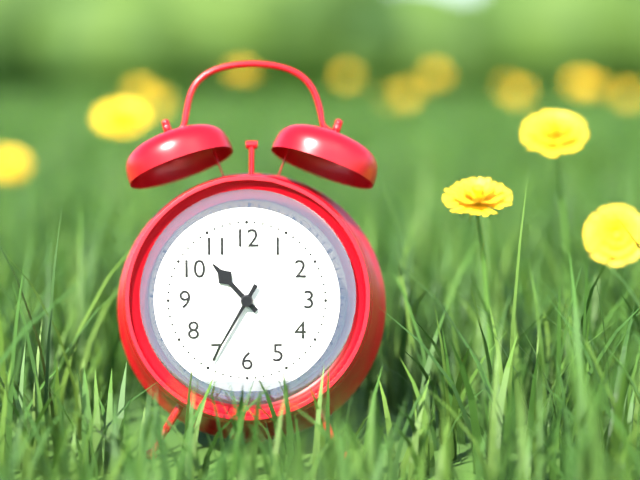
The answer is 10:35
